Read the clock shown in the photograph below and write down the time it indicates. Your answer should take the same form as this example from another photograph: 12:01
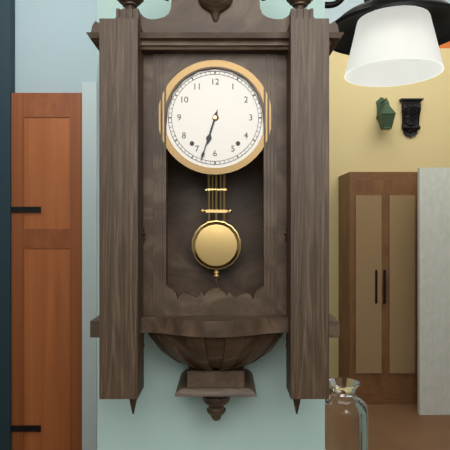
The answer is 6:33
